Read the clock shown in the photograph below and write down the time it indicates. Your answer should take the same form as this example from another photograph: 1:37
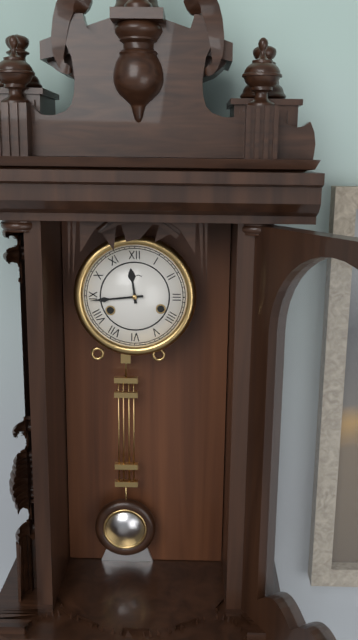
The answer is 11:44
